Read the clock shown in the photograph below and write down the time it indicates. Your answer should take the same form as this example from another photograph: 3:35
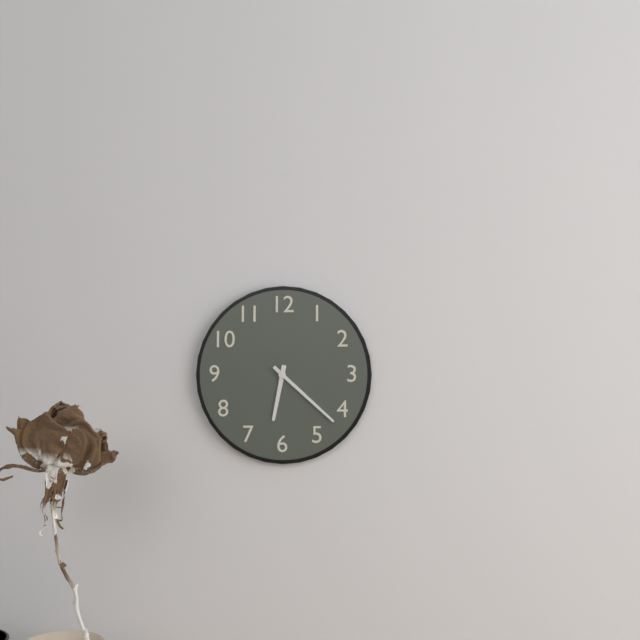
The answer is 6:22
